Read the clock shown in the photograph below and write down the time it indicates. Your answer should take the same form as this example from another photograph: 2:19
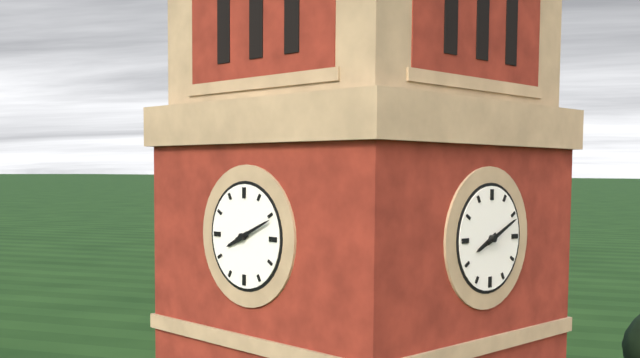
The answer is 8:11
